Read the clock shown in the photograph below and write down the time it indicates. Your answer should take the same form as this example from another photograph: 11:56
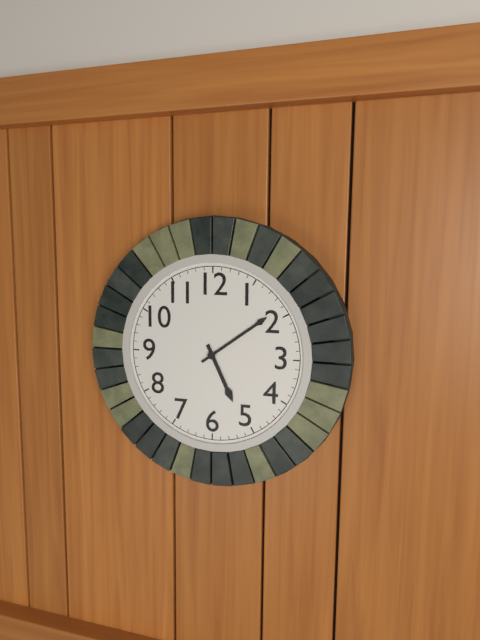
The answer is 5:09
